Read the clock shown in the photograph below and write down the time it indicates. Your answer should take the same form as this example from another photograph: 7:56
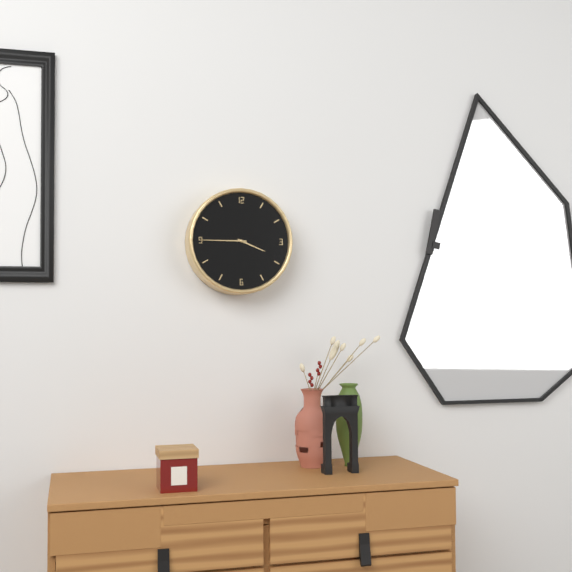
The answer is 3:45
